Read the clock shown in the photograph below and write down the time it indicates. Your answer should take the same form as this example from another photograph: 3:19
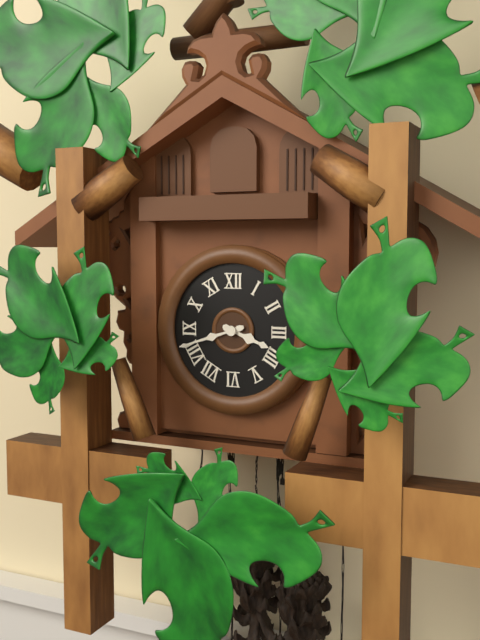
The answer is 3:42
